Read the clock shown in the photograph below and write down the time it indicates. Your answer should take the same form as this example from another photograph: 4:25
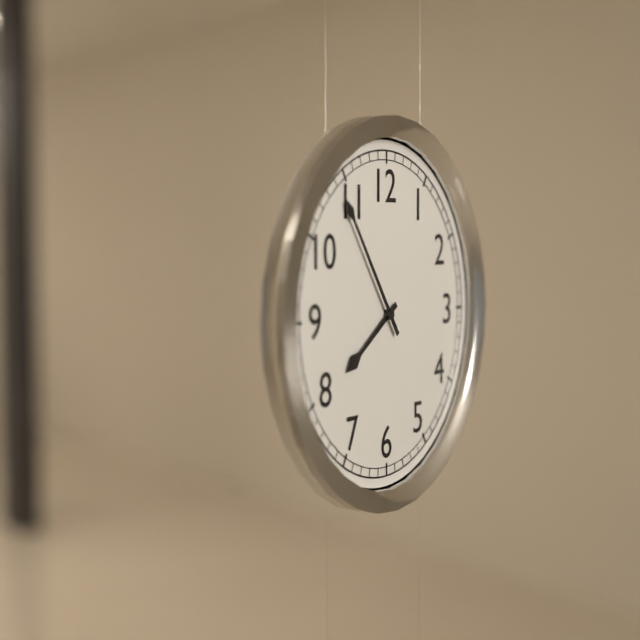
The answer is 7:54
